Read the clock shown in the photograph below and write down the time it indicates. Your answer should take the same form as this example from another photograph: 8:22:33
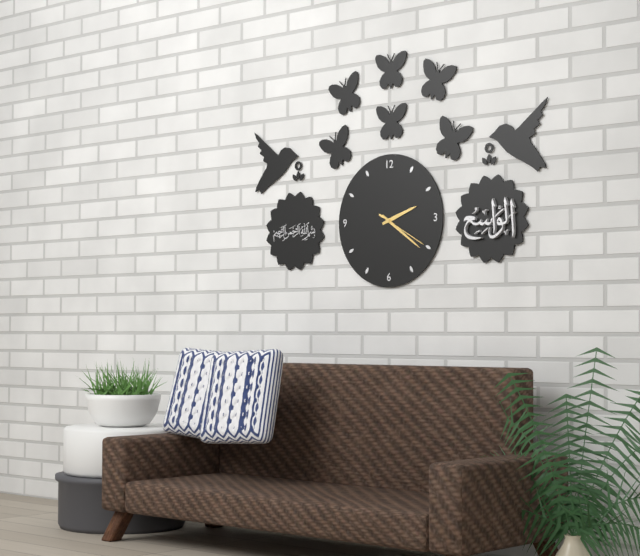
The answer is 2:21:20
